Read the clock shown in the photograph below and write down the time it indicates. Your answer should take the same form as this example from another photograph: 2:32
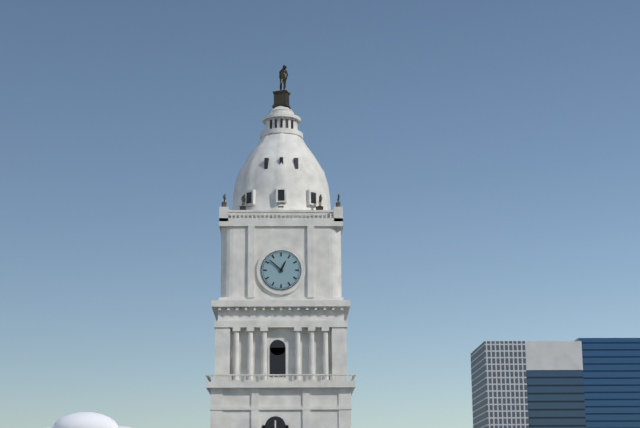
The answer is 12:52
